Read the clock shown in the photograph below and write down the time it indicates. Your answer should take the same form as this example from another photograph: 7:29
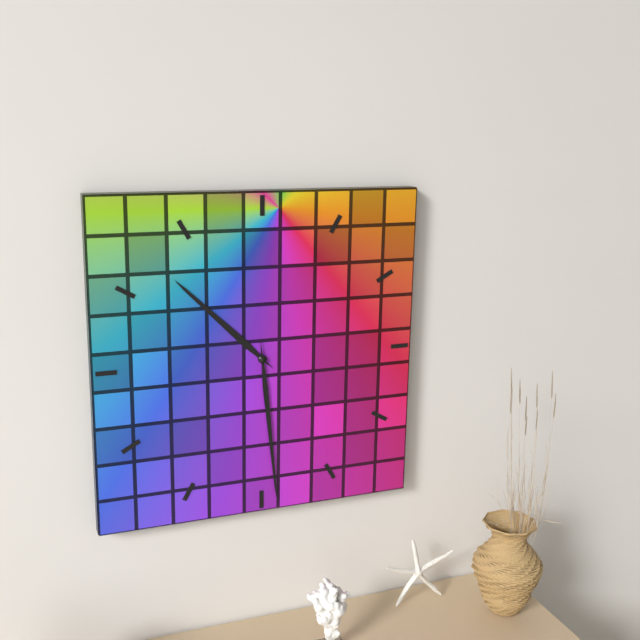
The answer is 10:29
